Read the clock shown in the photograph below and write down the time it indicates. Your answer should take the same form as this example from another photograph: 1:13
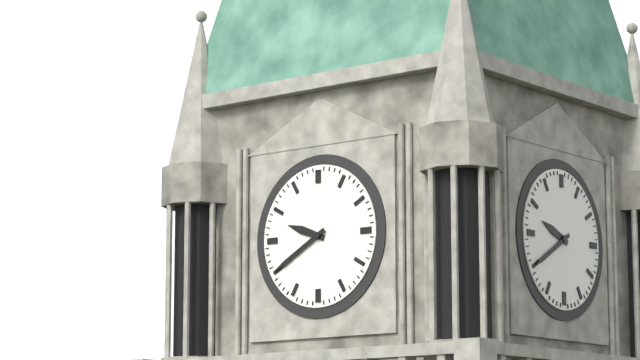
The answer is 9:40
